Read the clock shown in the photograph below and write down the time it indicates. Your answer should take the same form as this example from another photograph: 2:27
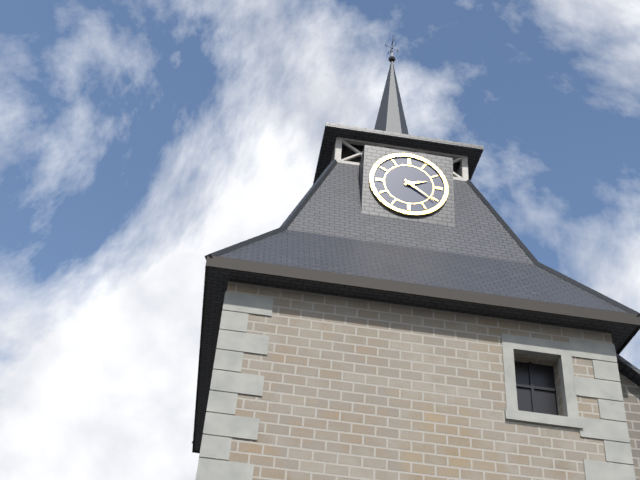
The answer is 2:21
